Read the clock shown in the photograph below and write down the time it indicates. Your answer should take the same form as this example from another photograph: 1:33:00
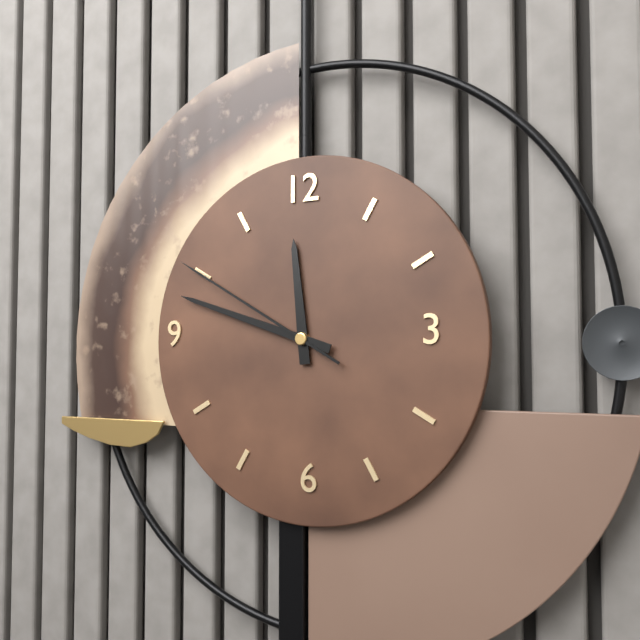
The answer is 11:48:50
